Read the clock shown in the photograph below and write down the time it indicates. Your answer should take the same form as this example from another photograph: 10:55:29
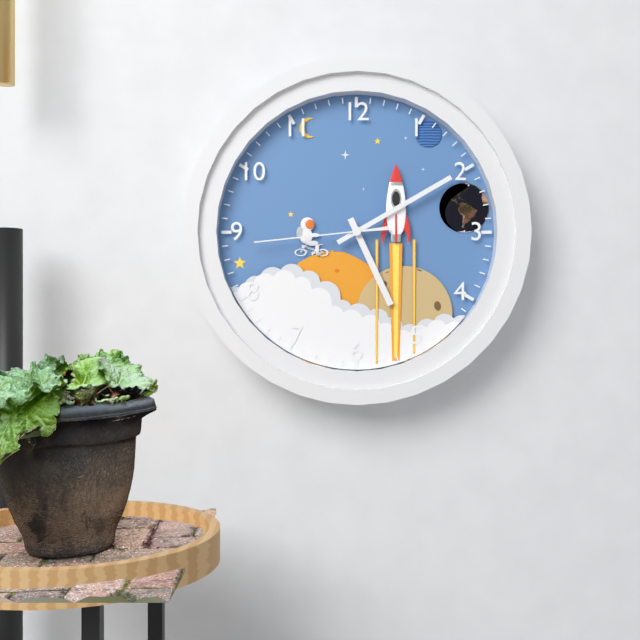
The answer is 5:10:44
